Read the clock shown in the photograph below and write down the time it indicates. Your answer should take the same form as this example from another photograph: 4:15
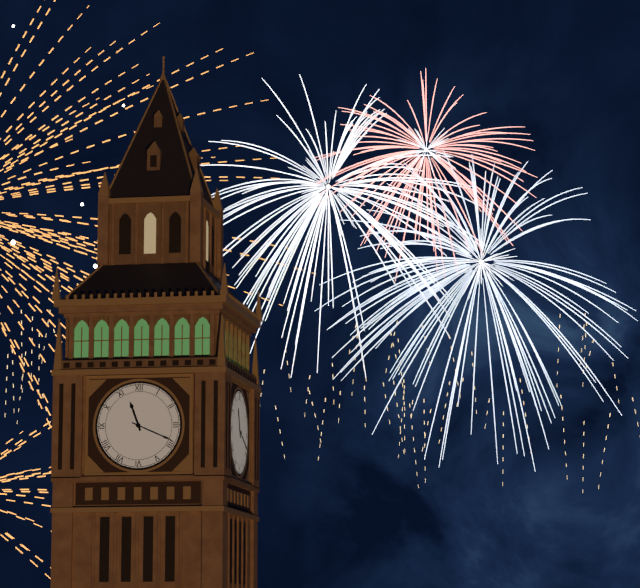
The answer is 11:19
